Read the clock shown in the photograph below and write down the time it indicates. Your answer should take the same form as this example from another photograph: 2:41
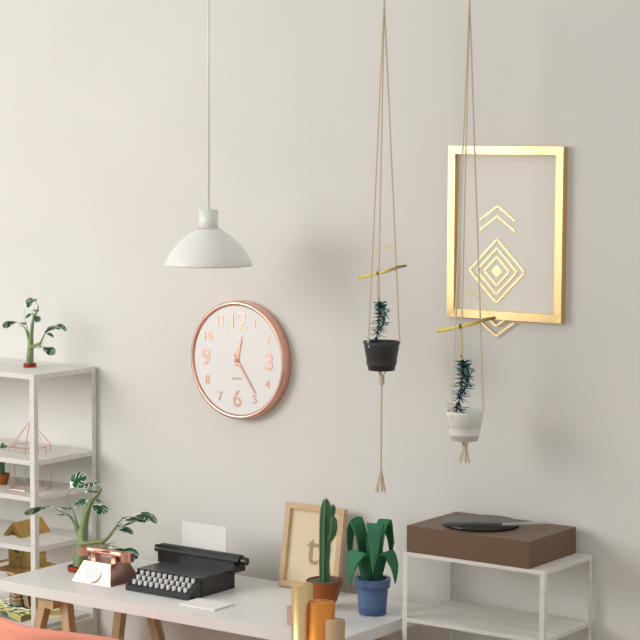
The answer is 12:24
